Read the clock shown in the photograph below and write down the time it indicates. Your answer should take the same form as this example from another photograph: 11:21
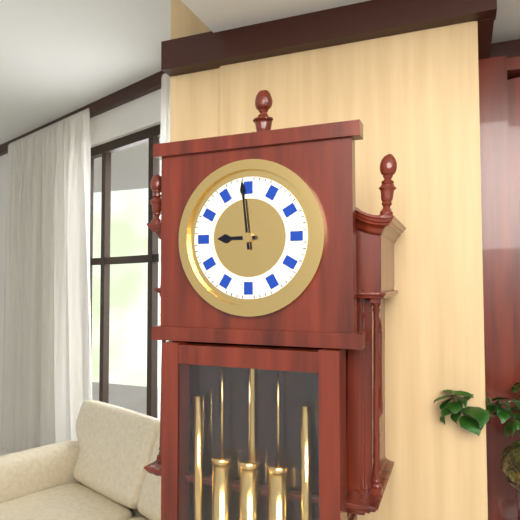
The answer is 8:59
